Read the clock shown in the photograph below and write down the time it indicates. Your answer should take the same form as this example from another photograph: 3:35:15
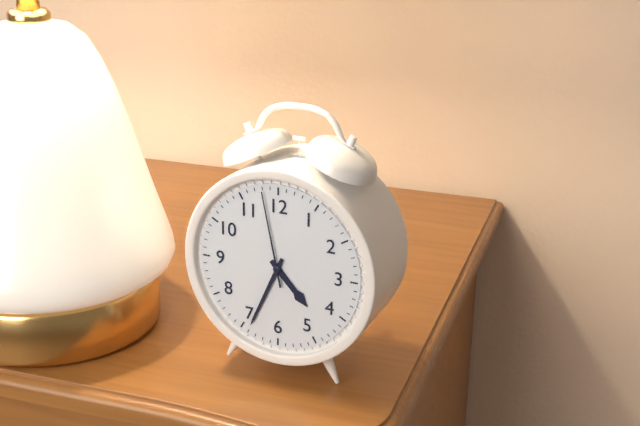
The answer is 4:34:58
